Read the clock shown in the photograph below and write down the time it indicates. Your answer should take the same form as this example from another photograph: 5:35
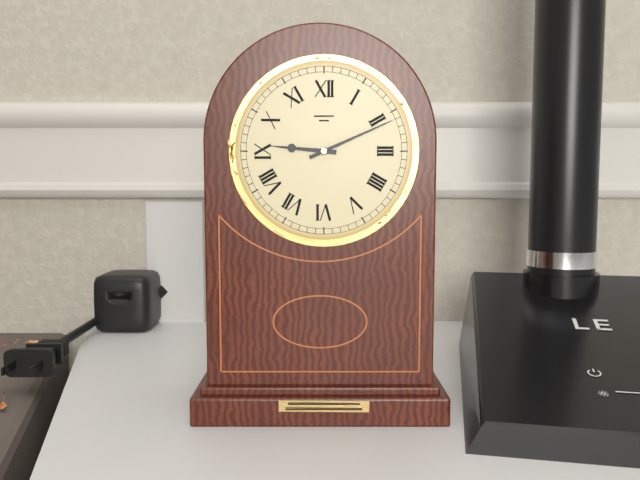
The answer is 9:11
